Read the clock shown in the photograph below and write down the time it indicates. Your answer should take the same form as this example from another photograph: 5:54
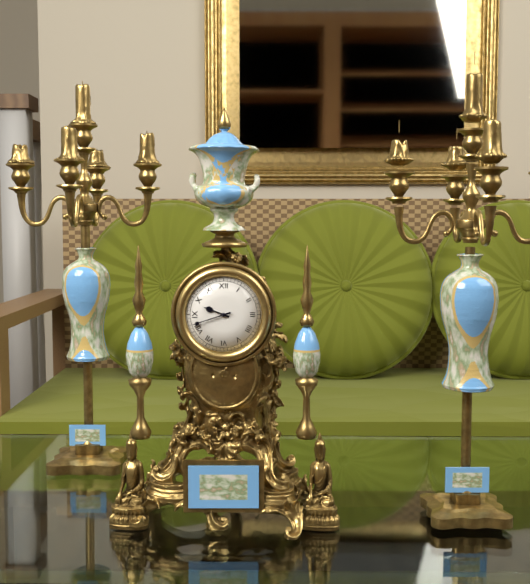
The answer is 9:42
